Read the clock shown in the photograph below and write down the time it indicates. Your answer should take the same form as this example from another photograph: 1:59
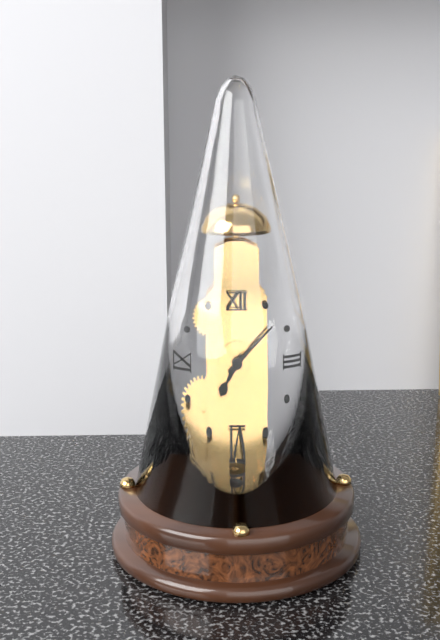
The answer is 7:08
